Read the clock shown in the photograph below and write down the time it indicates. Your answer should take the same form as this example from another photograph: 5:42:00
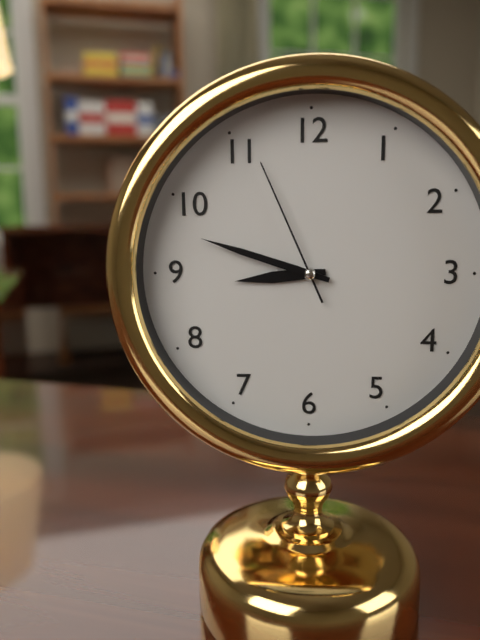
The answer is 8:48:56
